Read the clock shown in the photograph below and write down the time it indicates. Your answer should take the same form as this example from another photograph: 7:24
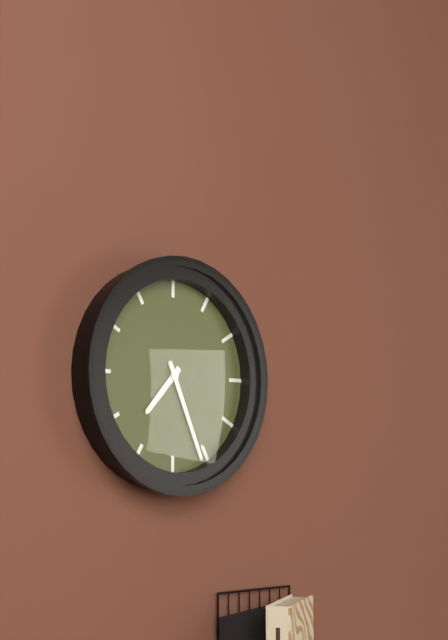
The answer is 7:26
